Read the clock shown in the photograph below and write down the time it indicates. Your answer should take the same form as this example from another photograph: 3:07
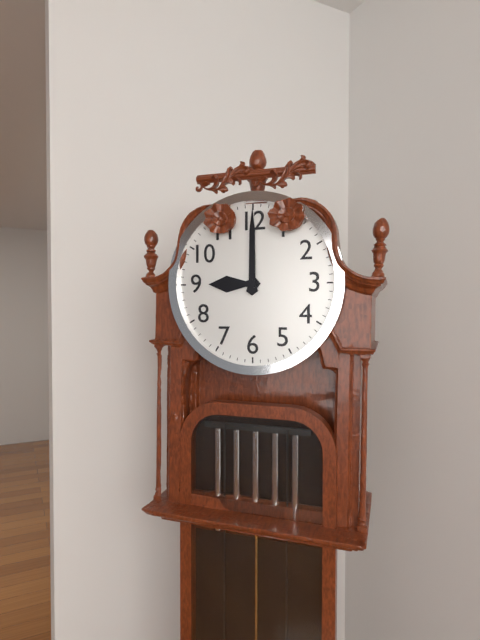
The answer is 9:00
